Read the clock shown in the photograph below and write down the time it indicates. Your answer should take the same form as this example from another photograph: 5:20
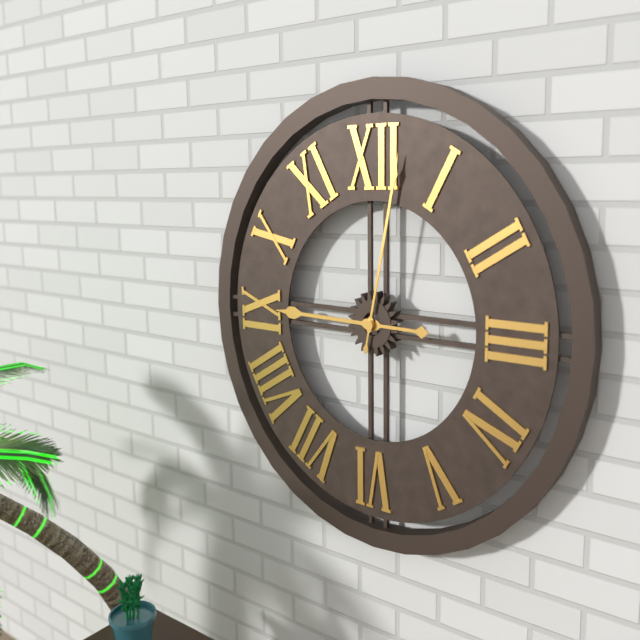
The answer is 9:02
